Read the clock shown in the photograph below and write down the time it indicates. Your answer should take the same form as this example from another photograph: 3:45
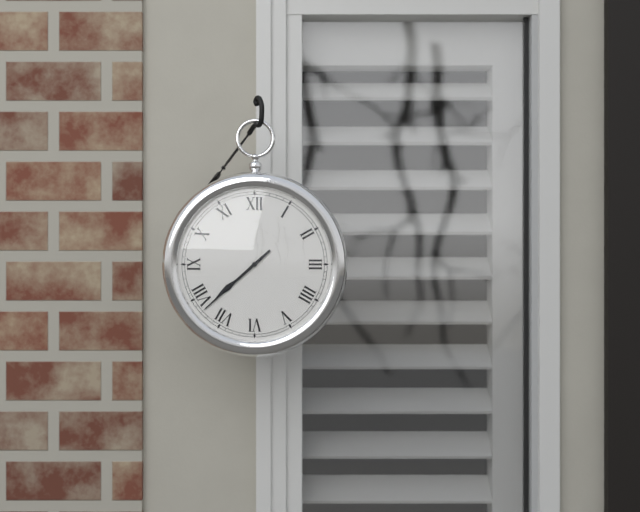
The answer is 7:38
